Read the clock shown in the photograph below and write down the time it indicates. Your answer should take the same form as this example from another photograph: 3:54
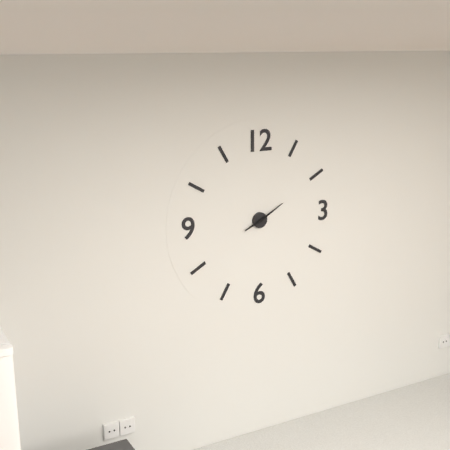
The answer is 8:10
